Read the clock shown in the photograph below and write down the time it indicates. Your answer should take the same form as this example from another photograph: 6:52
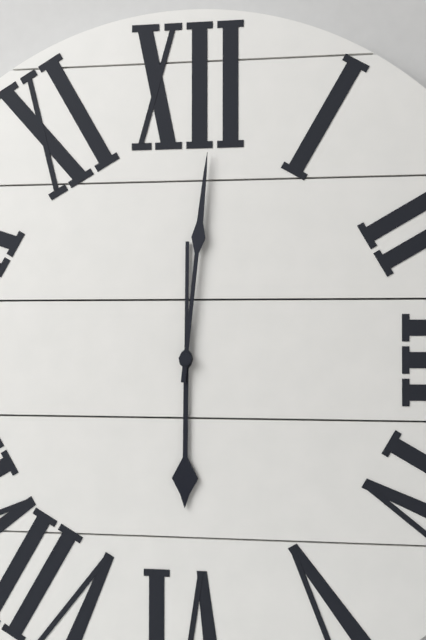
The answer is 6:01
